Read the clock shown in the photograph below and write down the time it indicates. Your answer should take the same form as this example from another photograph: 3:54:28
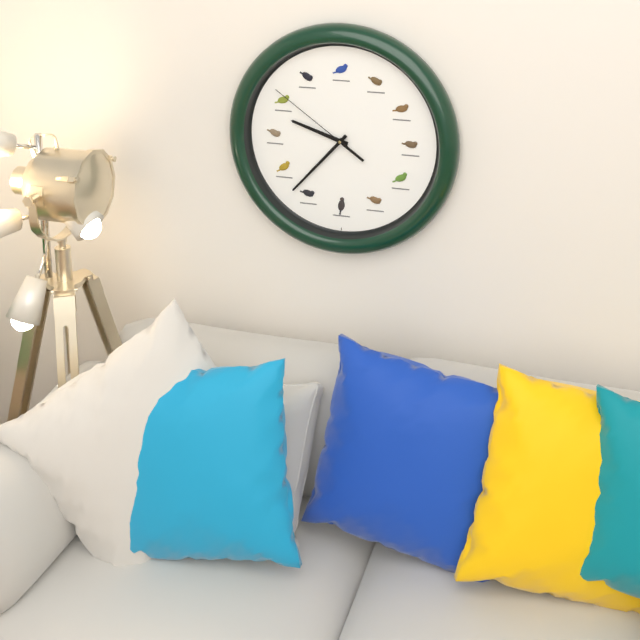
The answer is 9:37:51
